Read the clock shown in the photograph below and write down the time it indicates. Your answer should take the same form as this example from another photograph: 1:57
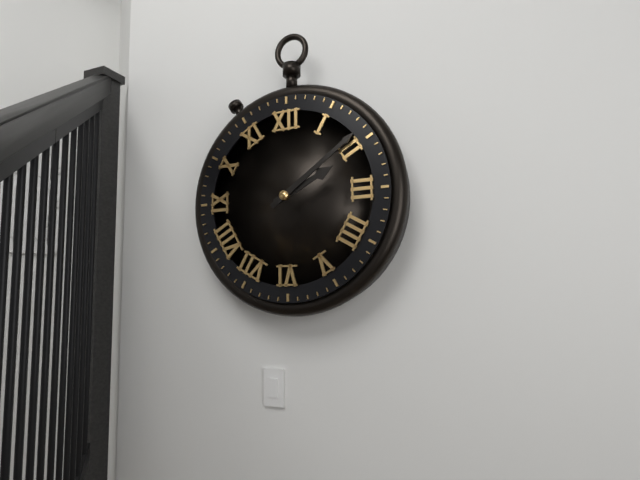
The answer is 2:09
